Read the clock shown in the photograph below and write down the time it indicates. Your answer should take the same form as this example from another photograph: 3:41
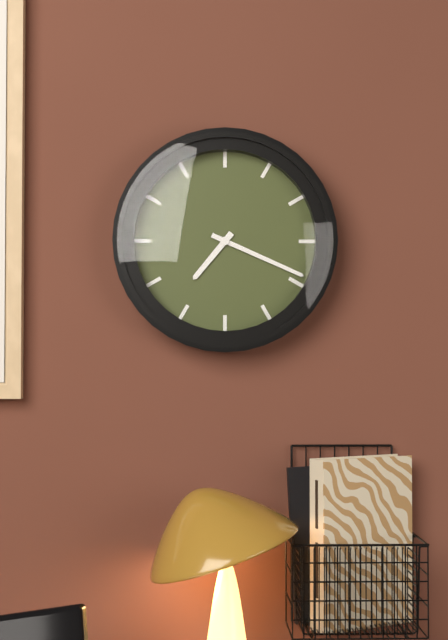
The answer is 7:19
